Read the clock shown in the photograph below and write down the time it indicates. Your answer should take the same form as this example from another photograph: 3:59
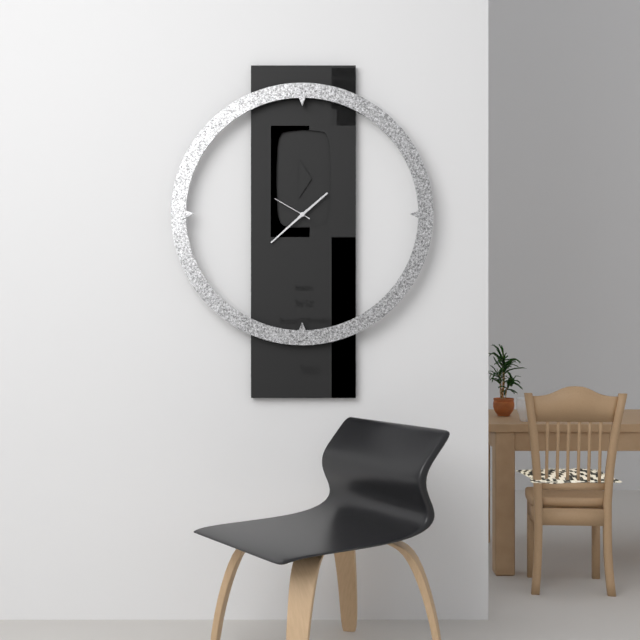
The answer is 1:38
